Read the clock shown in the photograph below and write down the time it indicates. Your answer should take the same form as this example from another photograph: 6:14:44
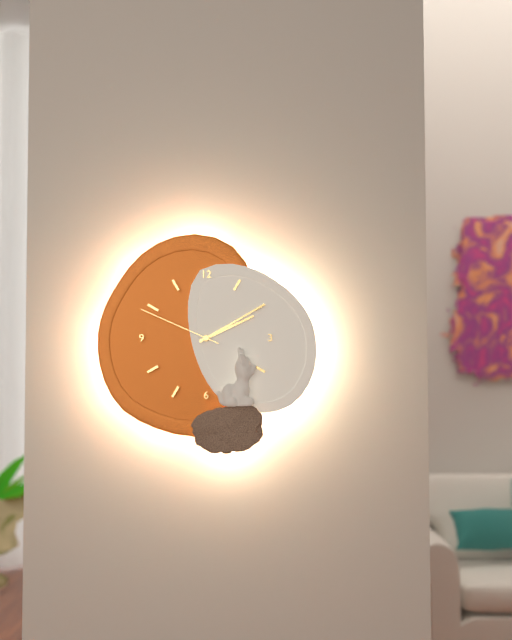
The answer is 2:10:49
